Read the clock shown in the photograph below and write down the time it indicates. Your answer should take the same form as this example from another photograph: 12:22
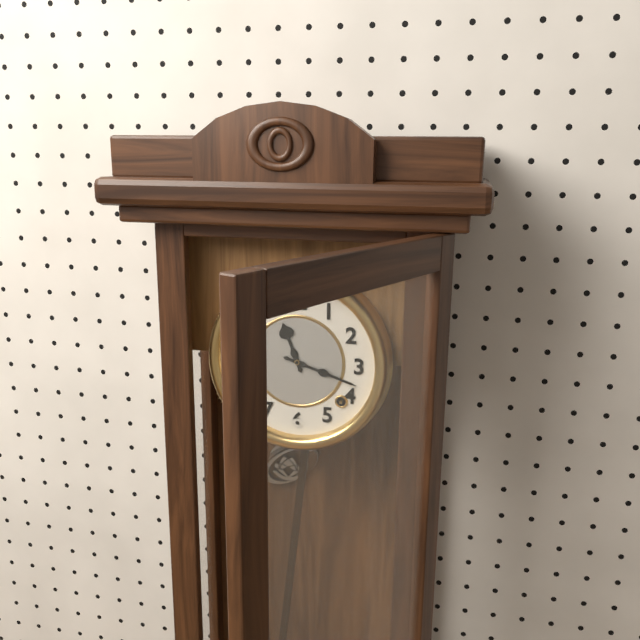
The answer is 11:18
